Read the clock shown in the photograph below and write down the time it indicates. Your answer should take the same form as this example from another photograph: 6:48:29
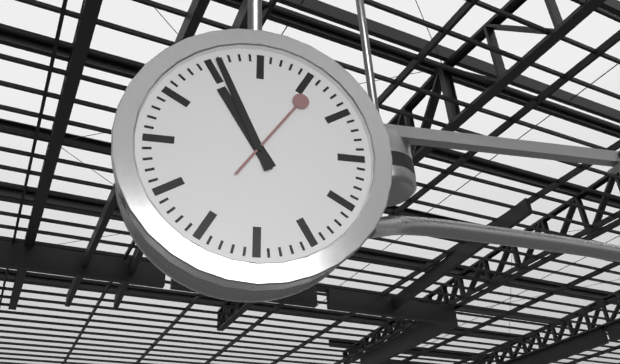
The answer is 10:56:06
